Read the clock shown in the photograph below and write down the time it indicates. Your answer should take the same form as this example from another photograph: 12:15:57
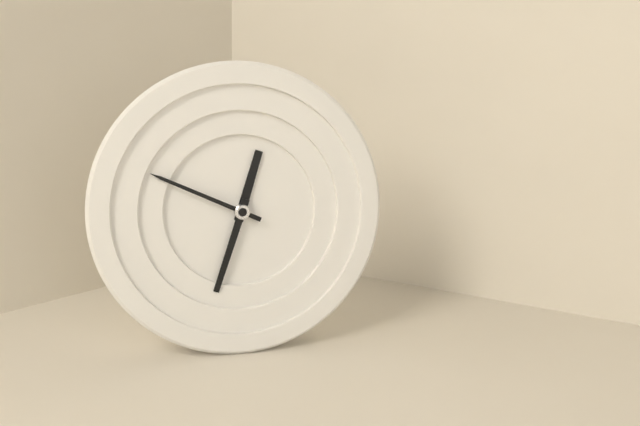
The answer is 12:33:49
